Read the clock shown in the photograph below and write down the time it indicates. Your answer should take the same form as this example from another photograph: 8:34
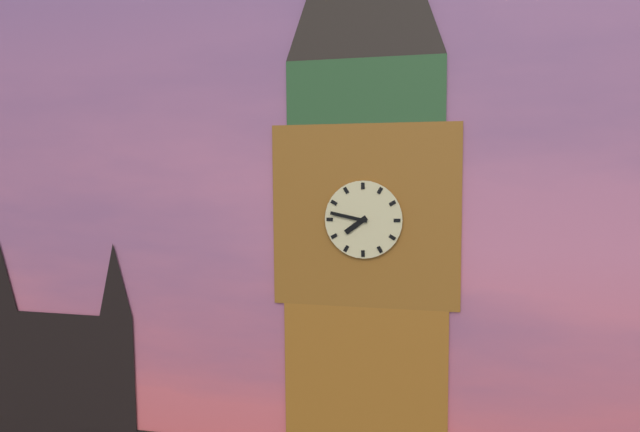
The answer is 7:47
